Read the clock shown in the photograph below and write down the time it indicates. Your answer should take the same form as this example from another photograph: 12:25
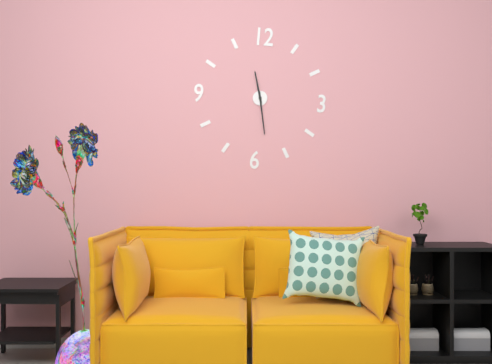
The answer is 11:28
